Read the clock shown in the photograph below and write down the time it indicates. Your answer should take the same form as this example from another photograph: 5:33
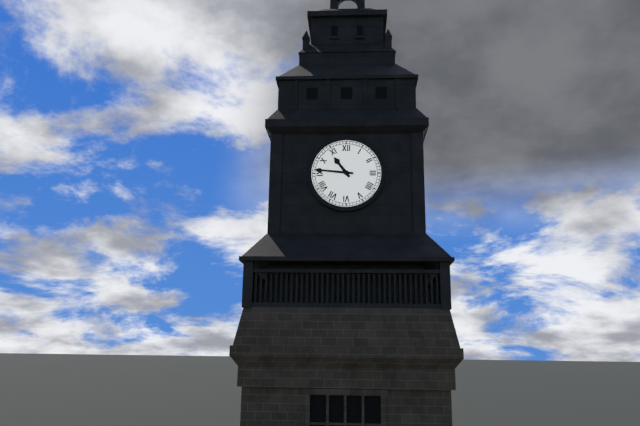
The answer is 10:46
